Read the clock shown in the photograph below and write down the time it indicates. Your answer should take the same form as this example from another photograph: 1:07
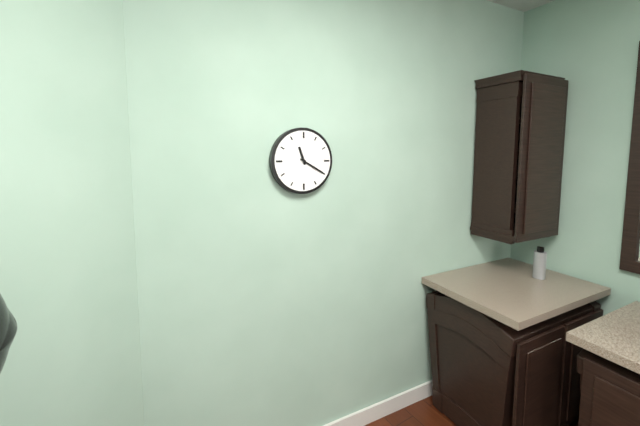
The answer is 11:20
